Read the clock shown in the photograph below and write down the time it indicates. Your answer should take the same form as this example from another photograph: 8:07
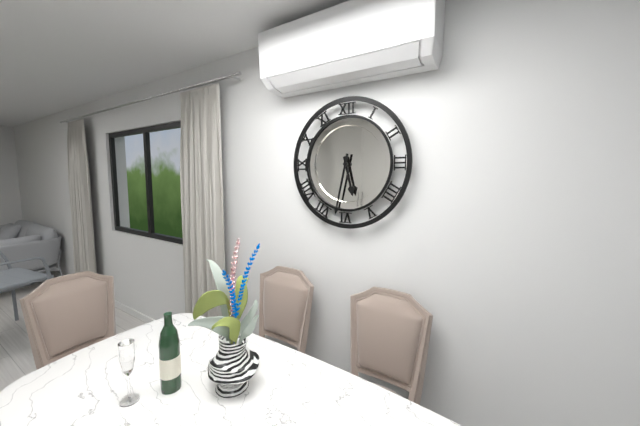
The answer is 5:32
